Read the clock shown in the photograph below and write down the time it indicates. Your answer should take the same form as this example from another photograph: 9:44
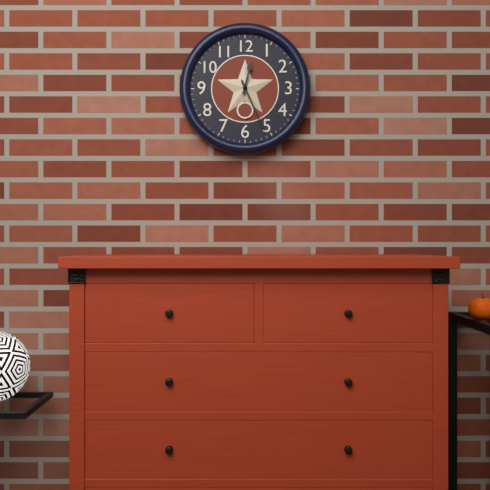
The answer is 12:26
